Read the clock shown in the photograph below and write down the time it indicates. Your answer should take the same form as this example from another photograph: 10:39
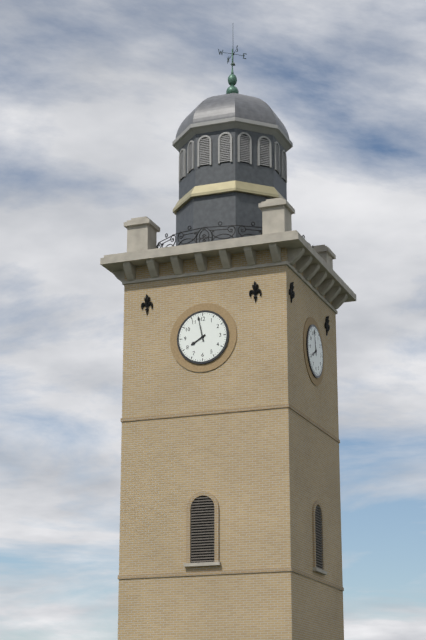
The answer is 7:58
